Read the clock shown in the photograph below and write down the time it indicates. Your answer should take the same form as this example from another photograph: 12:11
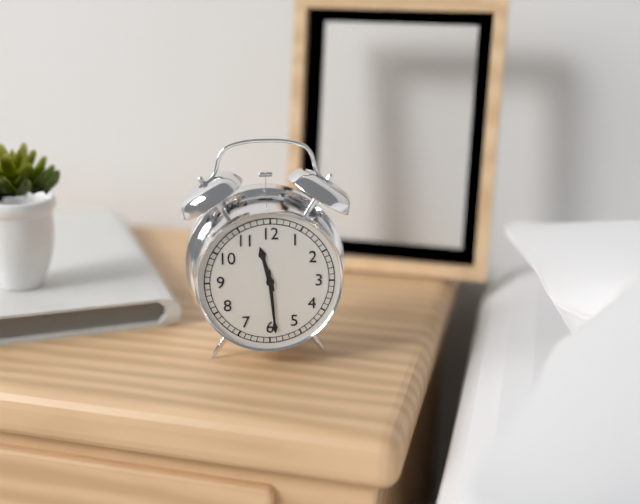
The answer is 11:29
